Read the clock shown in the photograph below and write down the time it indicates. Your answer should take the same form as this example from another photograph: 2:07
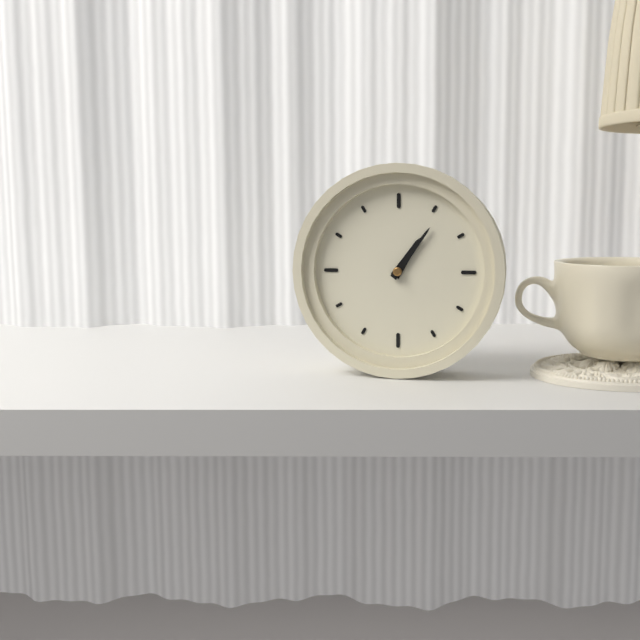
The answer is 1:06
